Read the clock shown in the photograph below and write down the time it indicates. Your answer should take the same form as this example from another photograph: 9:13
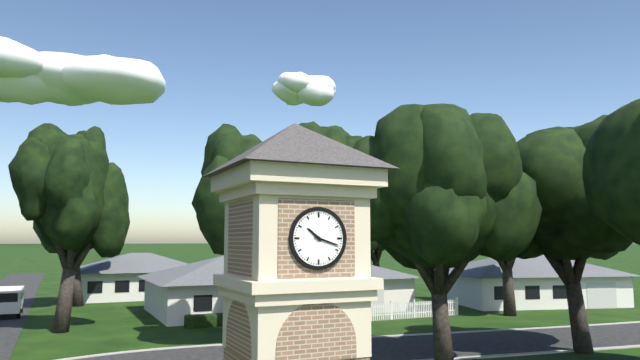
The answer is 10:18
